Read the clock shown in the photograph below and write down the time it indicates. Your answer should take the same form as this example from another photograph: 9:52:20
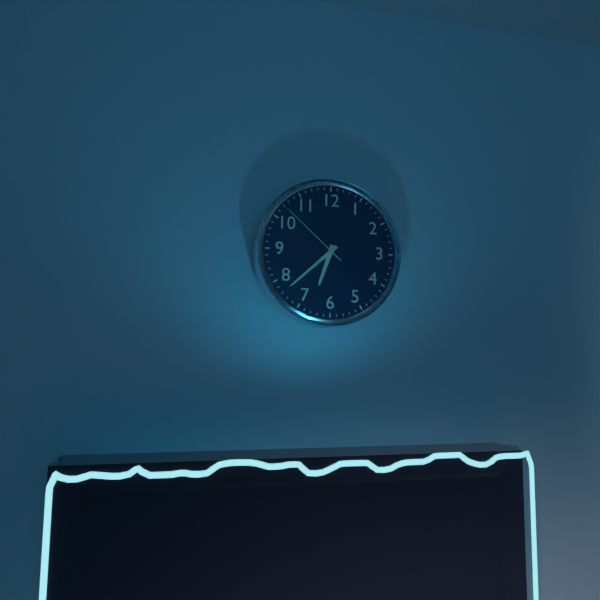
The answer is 6:38:52
